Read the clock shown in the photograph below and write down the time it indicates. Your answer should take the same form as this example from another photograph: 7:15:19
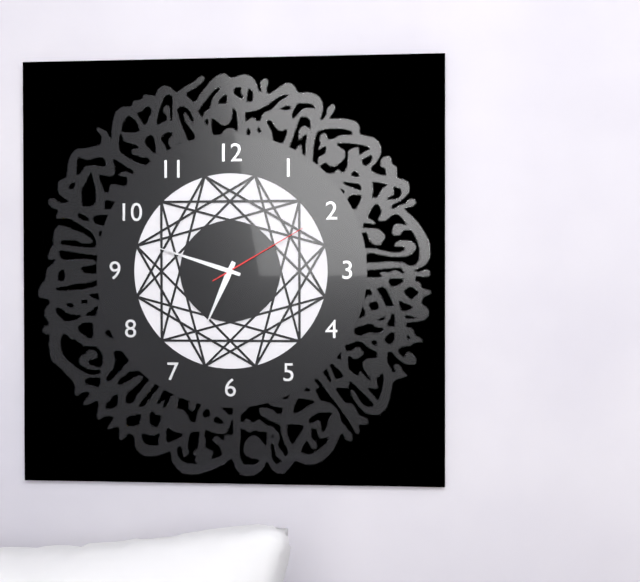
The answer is 6:48:10
